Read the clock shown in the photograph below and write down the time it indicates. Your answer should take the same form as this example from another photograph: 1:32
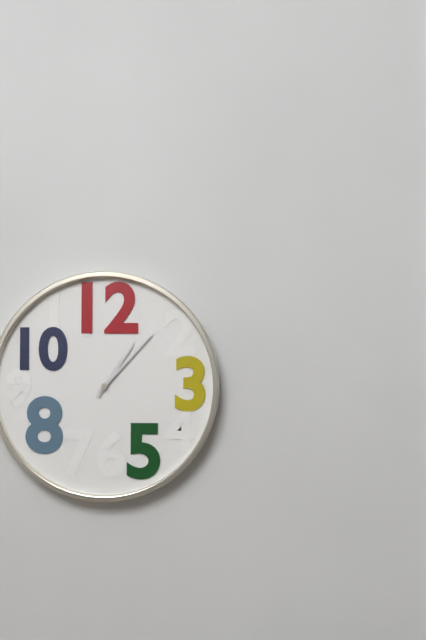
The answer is 1:07
